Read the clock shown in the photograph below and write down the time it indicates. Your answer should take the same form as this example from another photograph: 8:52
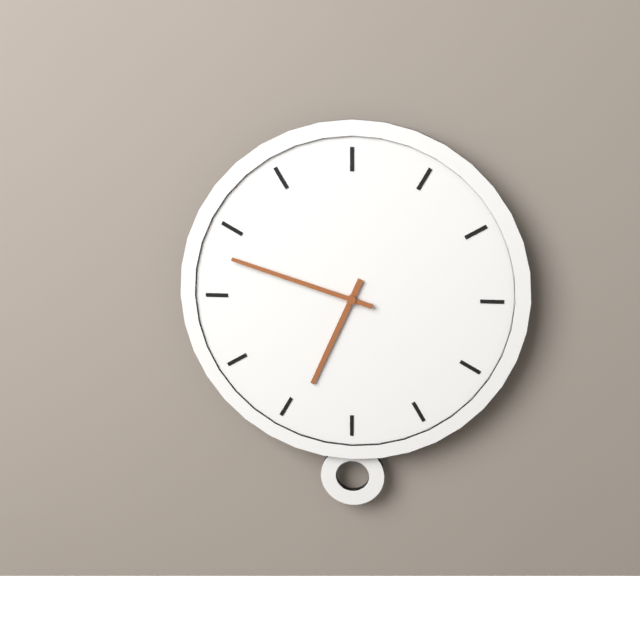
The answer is 6:48
